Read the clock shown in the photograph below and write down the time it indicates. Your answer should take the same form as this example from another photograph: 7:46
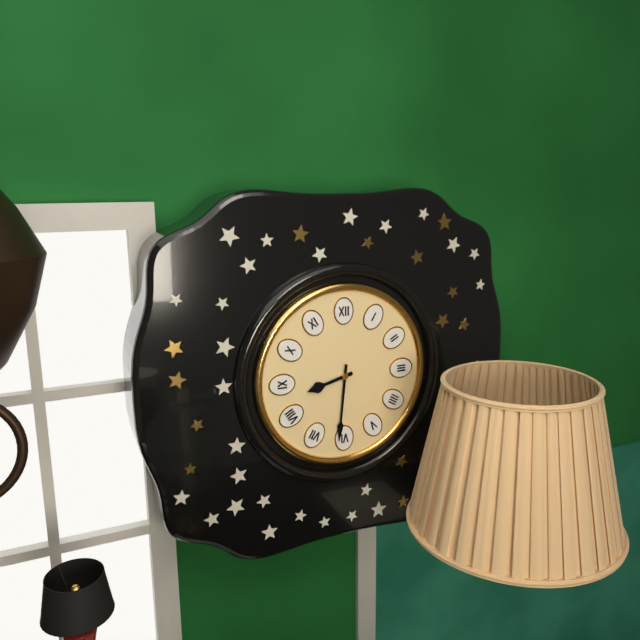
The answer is 8:31
